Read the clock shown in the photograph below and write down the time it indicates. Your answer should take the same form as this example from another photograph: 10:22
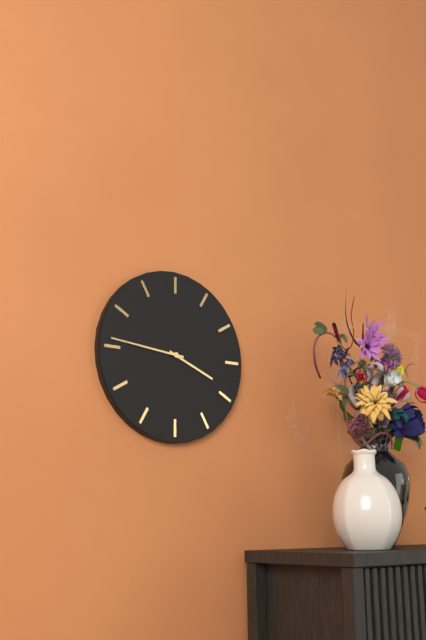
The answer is 3:46
